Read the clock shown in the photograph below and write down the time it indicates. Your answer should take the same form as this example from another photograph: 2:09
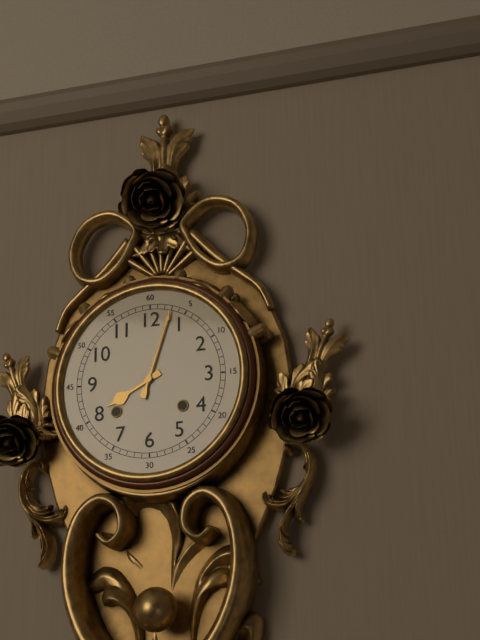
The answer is 8:03
